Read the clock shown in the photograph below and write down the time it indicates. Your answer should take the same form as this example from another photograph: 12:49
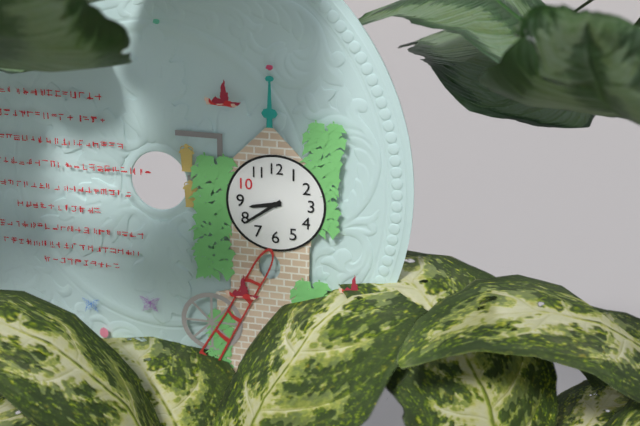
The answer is 8:39
